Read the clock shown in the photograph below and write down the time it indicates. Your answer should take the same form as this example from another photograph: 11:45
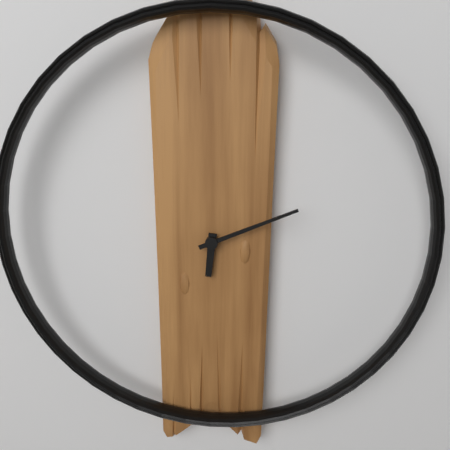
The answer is 6:11
